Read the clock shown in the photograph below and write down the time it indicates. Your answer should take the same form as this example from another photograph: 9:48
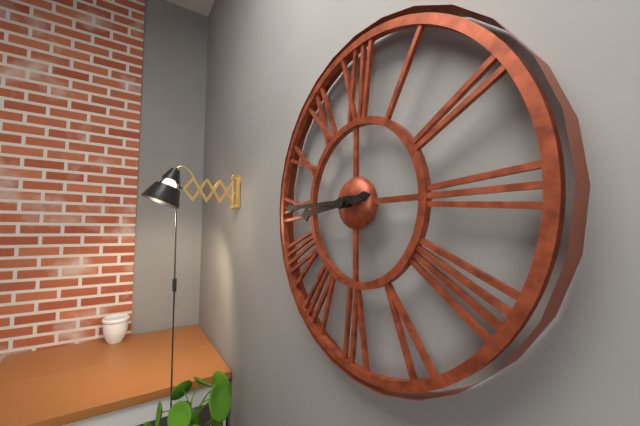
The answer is 8:45
